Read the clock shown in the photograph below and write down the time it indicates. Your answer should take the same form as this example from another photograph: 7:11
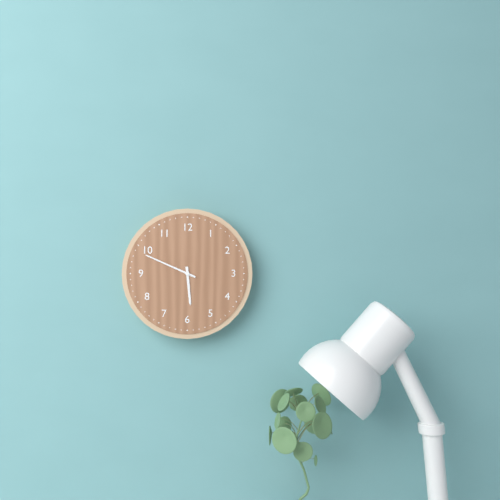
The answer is 5:49
